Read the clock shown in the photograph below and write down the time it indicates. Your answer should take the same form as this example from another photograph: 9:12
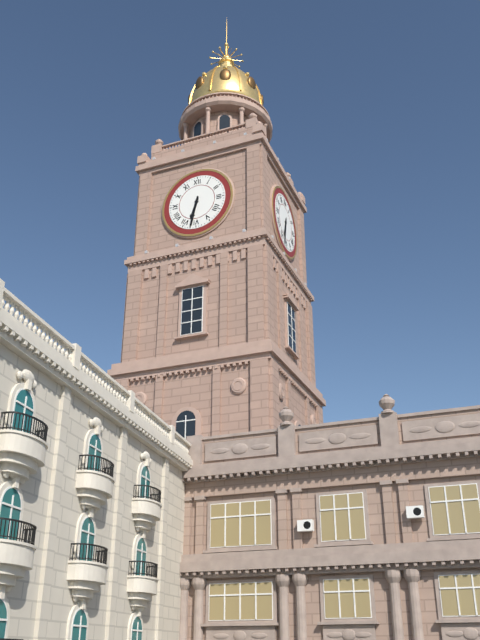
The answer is 6:32
